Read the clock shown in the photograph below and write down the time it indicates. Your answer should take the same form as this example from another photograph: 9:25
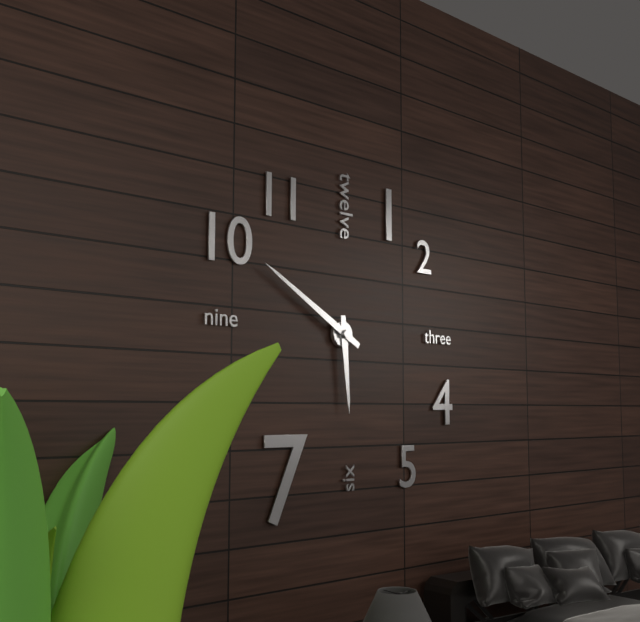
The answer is 5:50
